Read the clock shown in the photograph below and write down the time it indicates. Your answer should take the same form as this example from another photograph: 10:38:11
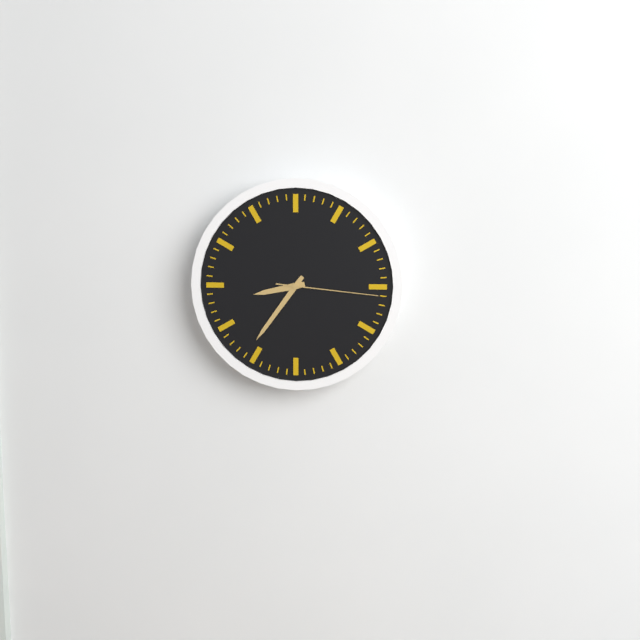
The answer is 8:36:16
